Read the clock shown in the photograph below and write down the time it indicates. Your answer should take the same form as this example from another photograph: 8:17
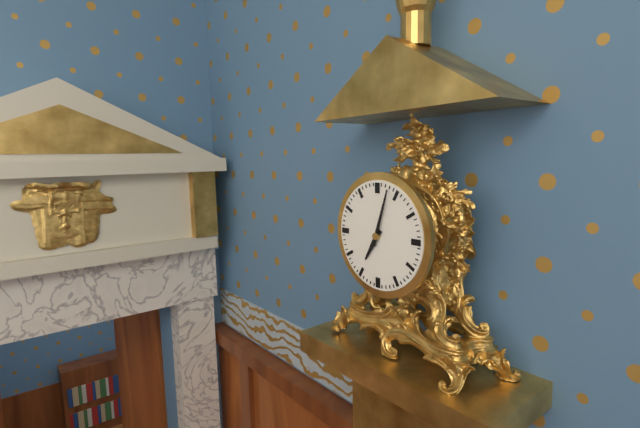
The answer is 7:03
